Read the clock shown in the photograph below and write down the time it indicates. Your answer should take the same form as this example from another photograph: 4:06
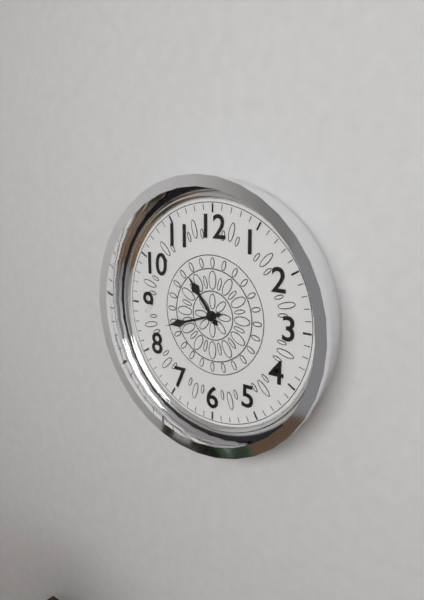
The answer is 10:42
